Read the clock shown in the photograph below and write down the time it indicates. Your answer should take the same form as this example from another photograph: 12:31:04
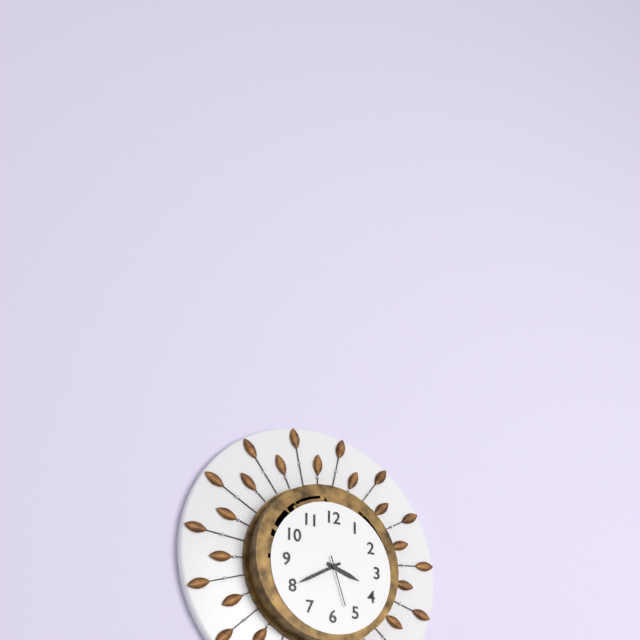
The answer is 3:40:27
